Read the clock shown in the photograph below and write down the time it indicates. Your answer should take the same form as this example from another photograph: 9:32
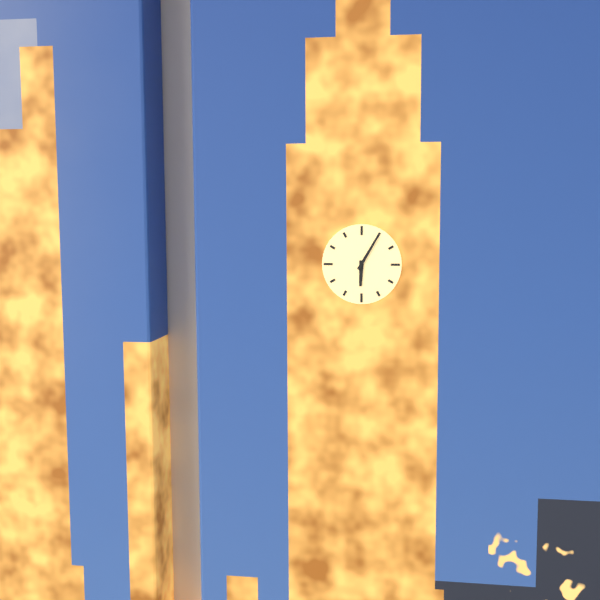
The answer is 6:05
